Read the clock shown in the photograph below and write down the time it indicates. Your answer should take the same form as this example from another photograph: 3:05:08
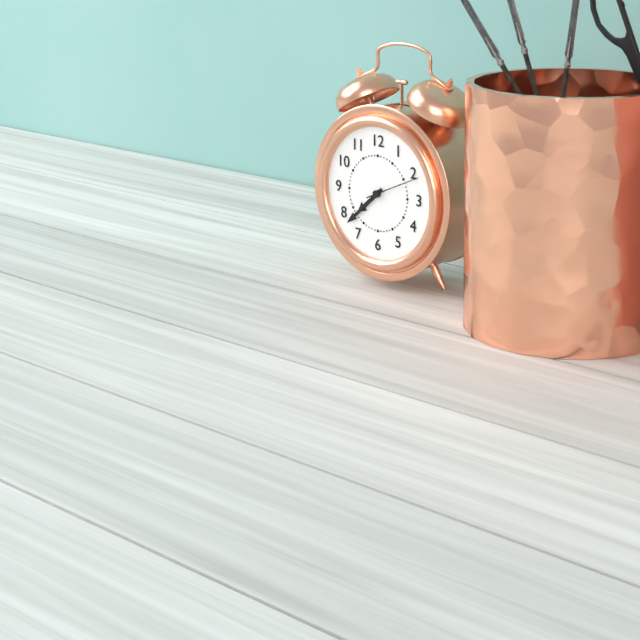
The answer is 7:38:11
